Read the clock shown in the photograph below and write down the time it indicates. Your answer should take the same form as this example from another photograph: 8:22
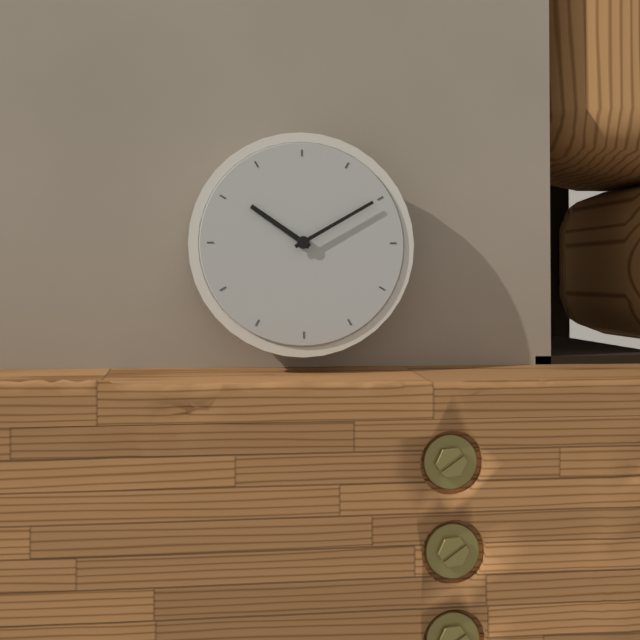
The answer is 10:10
